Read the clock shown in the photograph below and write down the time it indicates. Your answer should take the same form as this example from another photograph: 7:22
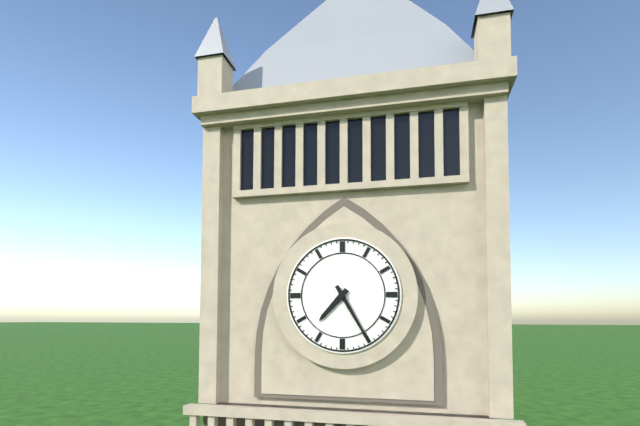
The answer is 7:25
